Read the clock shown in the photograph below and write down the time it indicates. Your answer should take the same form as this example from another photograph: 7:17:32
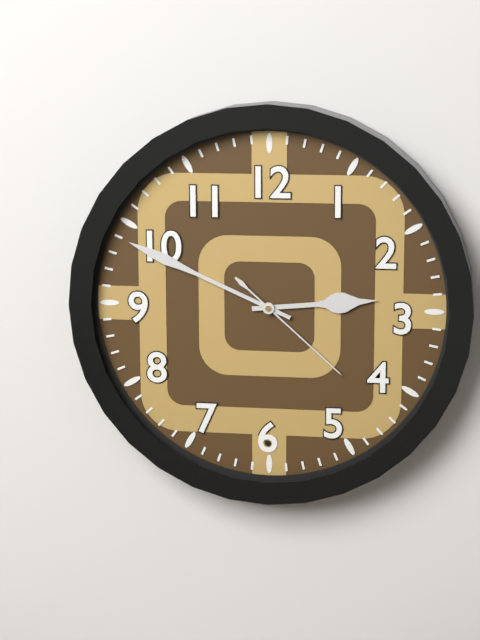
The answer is 2:49:22
